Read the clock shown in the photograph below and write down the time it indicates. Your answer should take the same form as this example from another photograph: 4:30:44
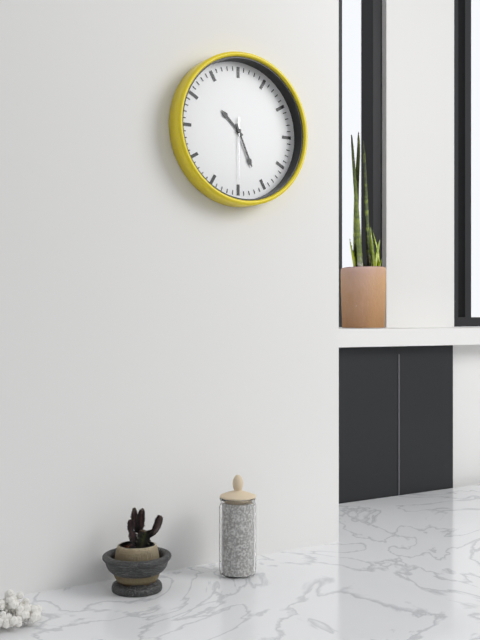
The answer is 10:26:30
